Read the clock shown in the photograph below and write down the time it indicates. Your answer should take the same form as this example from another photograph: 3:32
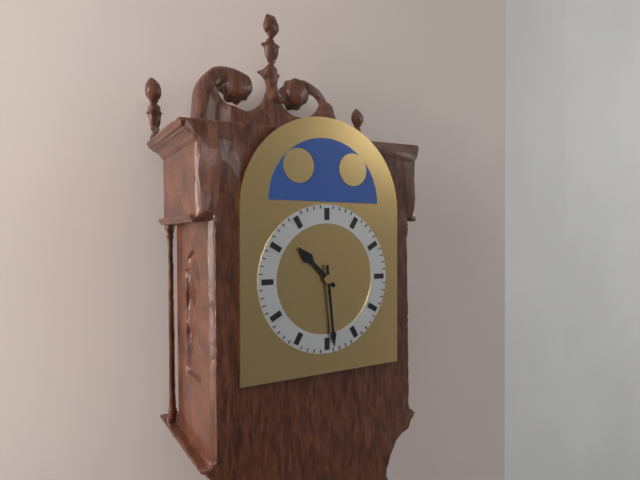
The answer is 10:29
